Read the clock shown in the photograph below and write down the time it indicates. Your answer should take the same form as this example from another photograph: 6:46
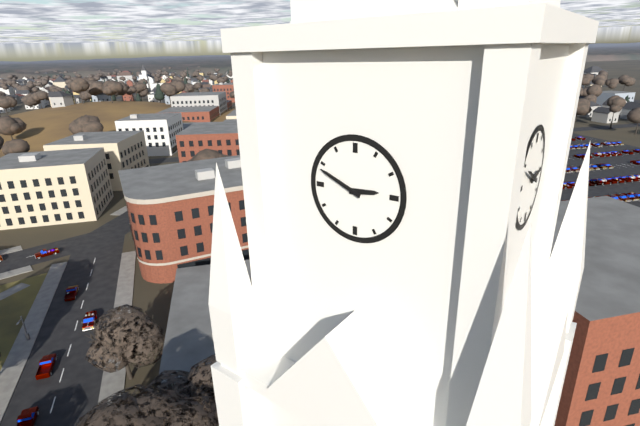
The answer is 2:49
